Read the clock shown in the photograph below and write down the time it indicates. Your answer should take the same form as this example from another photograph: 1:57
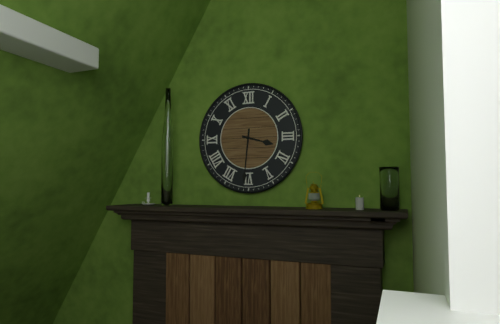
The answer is 3:31
